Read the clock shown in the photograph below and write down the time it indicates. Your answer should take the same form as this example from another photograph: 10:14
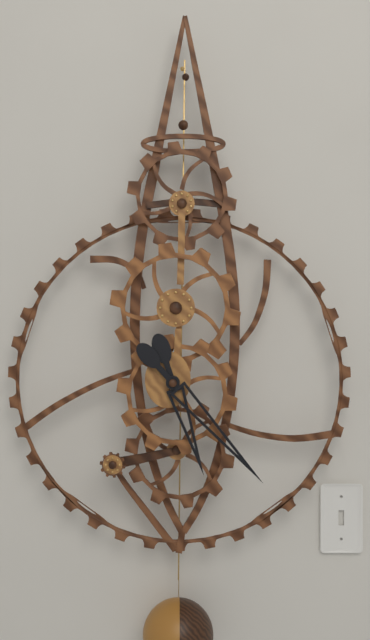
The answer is 5:23
